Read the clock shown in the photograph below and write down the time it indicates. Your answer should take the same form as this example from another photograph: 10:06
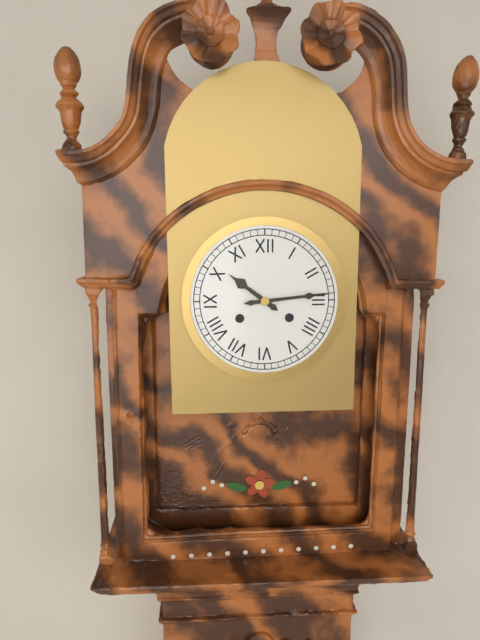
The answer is 10:14
